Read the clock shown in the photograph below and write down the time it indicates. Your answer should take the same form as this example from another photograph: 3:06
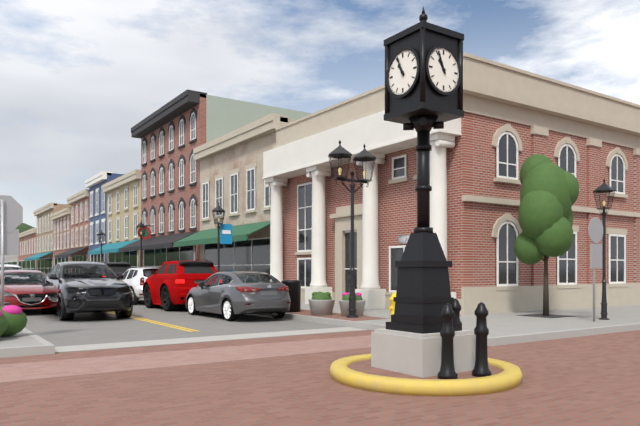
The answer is 10:56
